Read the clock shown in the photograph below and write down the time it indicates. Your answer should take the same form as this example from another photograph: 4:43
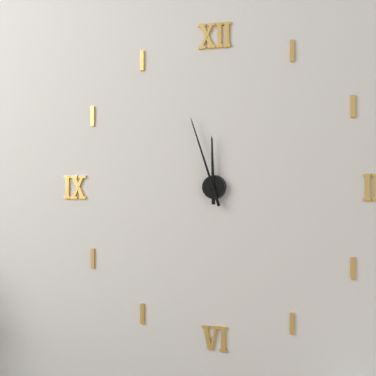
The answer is 11:57
